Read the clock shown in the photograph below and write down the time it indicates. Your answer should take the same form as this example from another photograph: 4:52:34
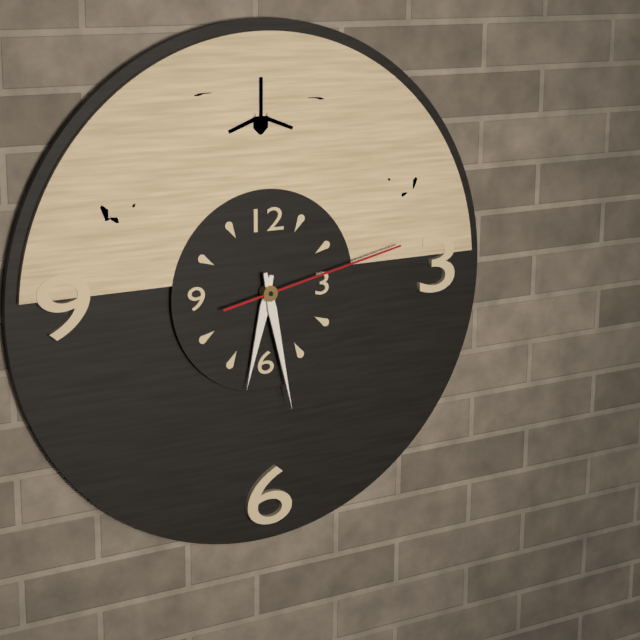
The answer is 6:28:13
